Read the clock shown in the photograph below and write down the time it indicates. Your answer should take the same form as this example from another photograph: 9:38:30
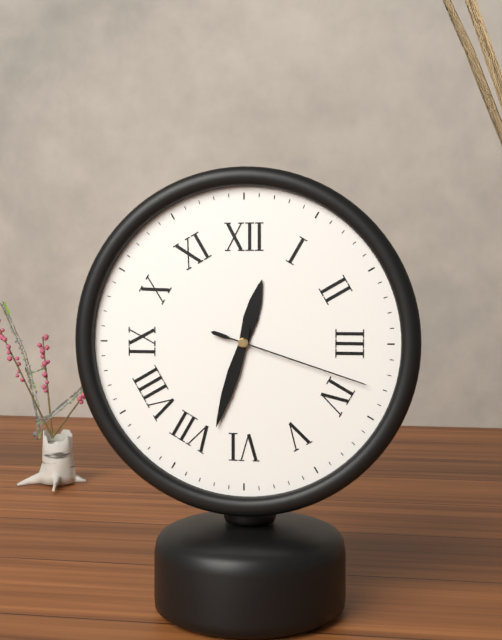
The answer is 12:33:18
